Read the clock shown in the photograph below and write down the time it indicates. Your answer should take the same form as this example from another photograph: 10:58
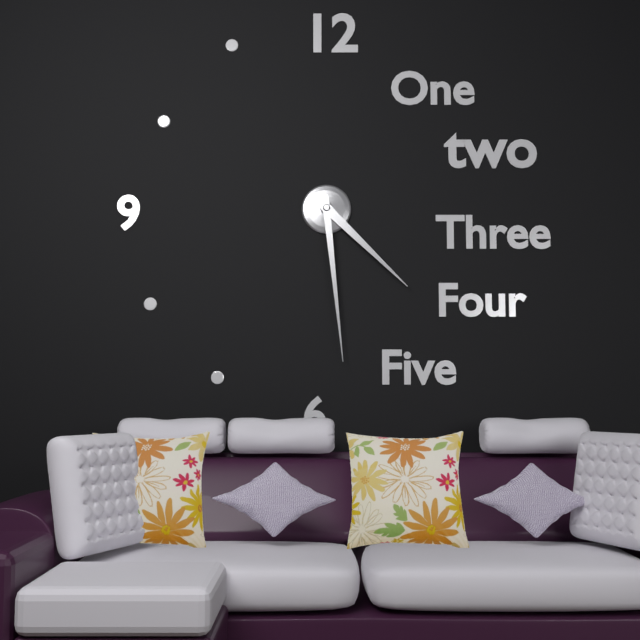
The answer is 4:29
